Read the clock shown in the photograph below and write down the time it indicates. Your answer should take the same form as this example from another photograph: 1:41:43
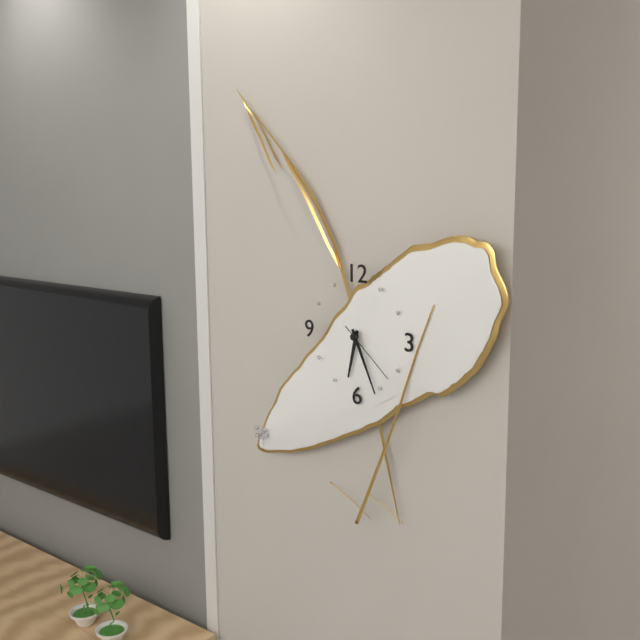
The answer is 6:26:22
